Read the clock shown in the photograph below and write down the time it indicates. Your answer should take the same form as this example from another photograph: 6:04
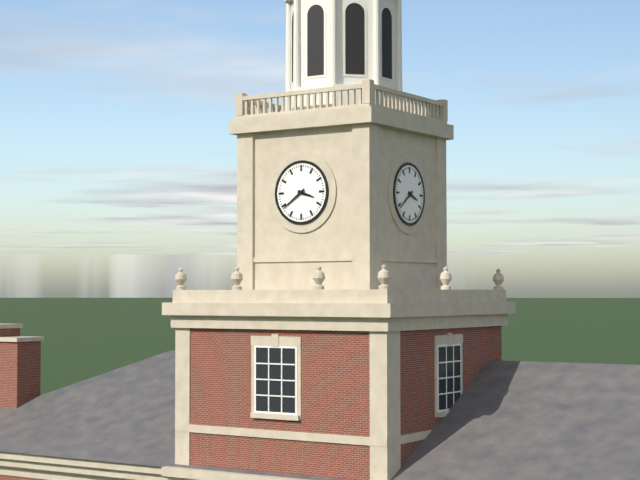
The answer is 3:39
